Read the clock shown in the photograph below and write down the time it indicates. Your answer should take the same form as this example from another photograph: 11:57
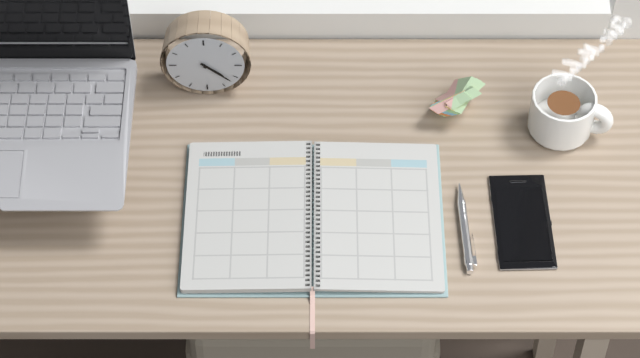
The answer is 4:22
